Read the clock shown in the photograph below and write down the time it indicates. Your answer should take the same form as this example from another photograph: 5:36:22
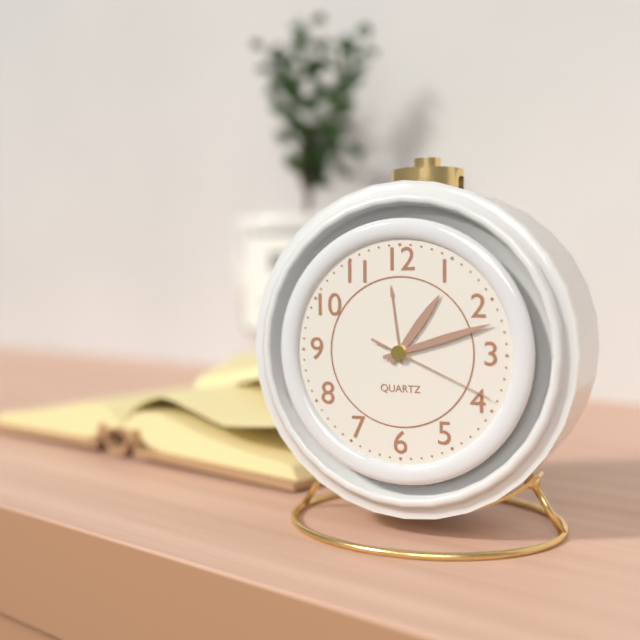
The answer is 1:12:19
